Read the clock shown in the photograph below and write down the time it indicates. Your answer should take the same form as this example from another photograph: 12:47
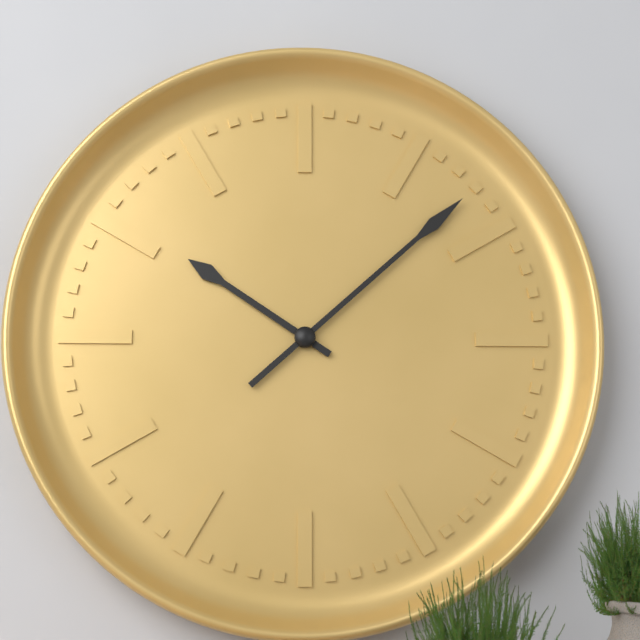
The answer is 10:08
